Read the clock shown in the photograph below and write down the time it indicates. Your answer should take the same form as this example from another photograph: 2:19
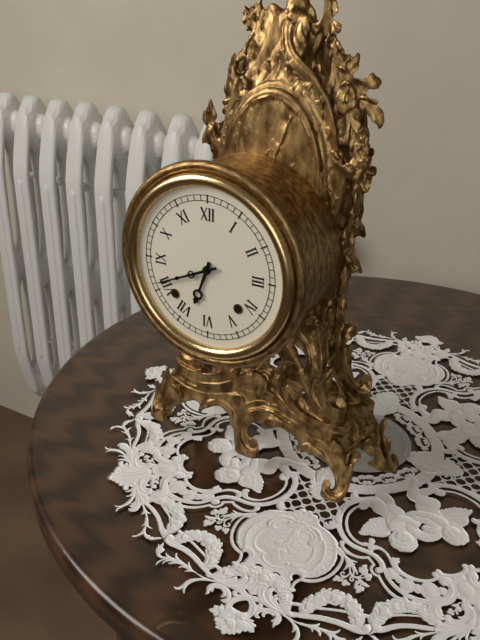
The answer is 6:41
